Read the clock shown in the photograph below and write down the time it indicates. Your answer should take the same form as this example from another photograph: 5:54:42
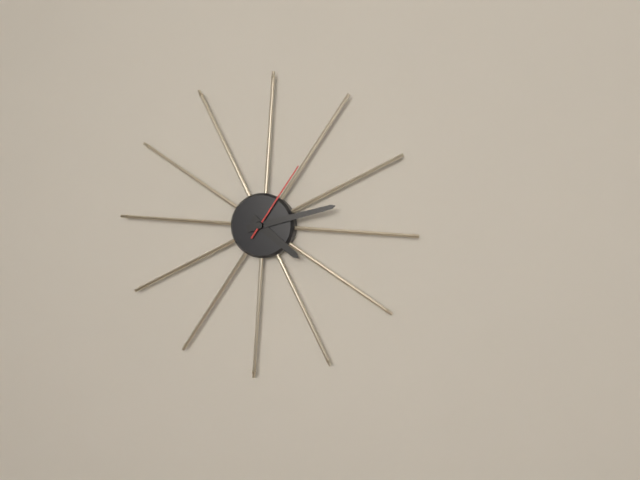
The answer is 4:12:05
